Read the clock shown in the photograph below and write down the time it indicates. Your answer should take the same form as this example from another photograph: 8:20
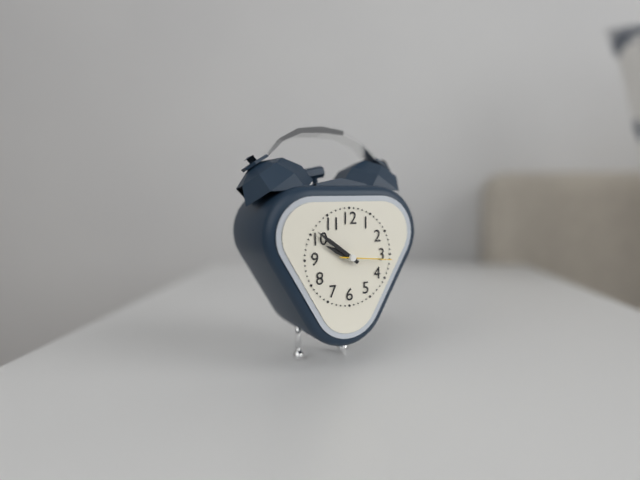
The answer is 9:51
